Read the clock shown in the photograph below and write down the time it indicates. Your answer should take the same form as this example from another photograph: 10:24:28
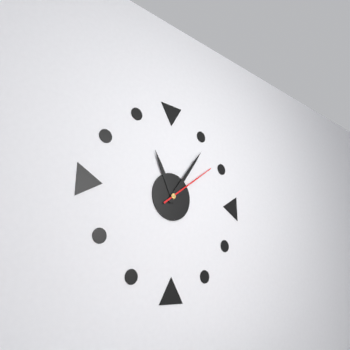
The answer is 11:06:09
